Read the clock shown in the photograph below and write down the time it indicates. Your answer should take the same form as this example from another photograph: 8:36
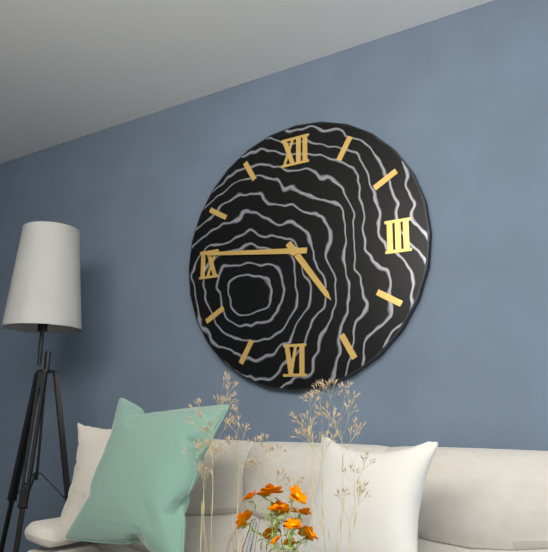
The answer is 4:46
